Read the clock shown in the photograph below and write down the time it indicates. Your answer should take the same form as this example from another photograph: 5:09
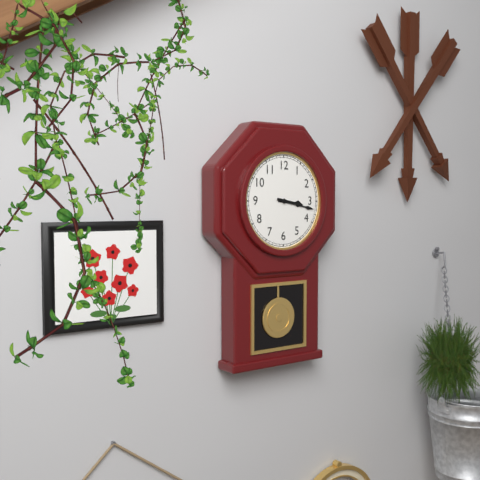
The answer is 3:17
